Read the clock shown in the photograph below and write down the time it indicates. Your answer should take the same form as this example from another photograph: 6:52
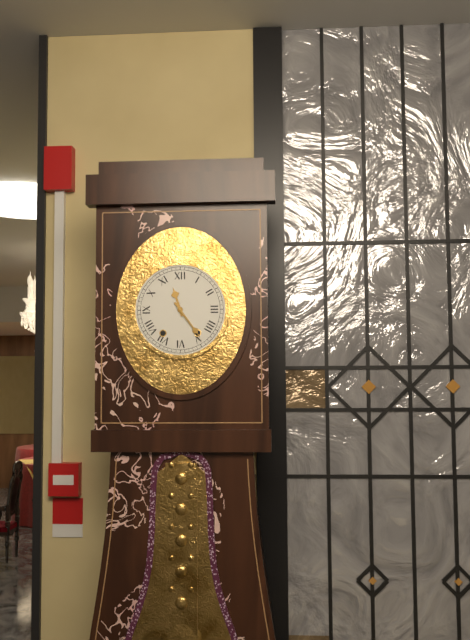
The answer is 11:24
